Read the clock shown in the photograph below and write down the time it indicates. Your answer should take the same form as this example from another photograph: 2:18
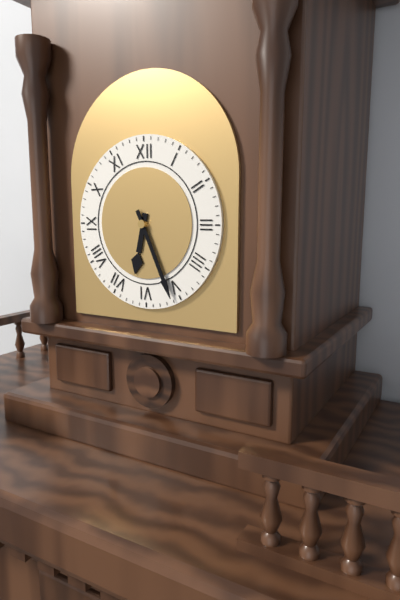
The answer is 6:26
